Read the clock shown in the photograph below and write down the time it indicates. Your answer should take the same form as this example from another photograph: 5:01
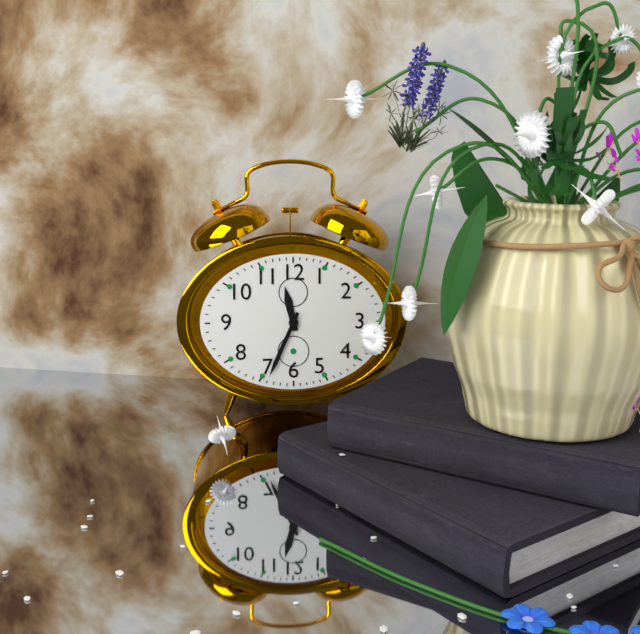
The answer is 11:34
